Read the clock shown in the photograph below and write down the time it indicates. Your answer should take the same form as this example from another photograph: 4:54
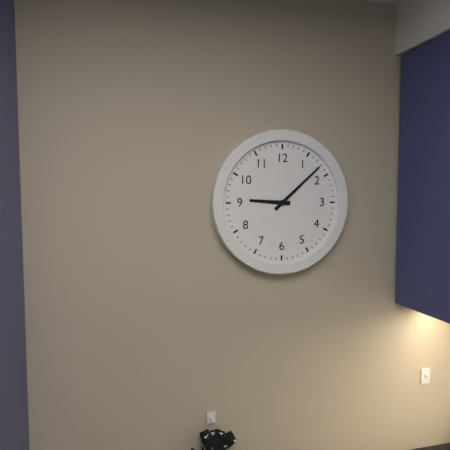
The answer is 9:08
